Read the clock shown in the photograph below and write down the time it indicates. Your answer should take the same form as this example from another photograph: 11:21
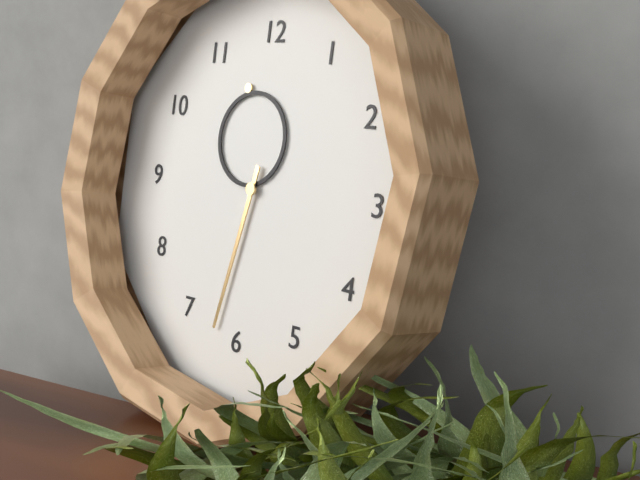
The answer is 11:32
